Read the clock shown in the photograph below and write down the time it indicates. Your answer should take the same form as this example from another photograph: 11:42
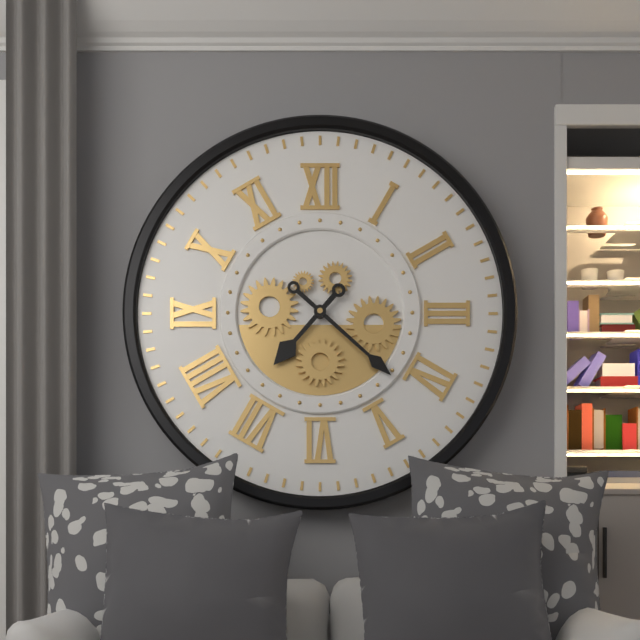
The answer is 7:22
